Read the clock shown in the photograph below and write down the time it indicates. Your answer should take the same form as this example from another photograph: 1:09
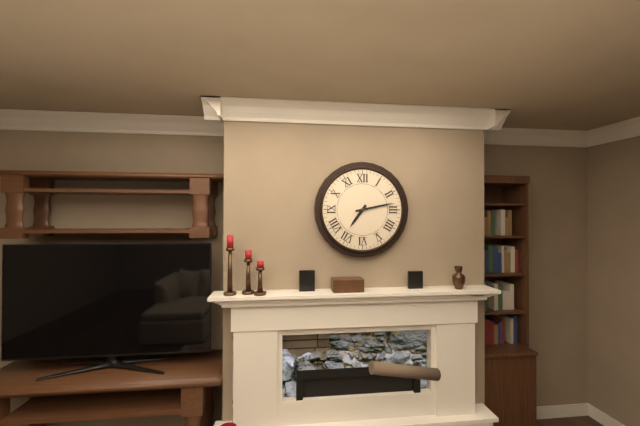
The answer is 7:13
